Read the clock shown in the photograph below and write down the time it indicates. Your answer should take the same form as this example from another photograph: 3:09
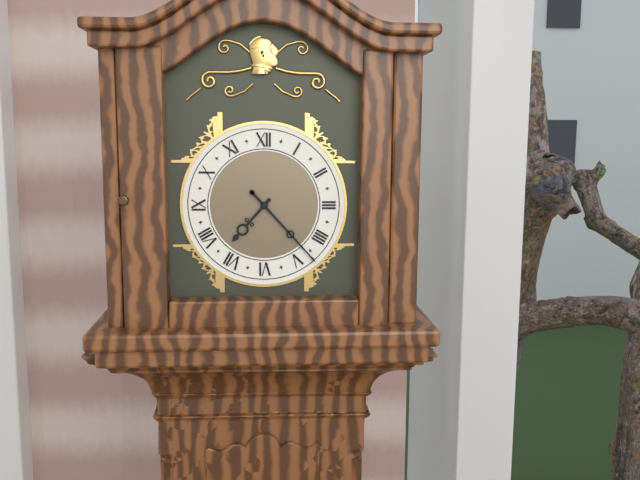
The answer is 7:23
